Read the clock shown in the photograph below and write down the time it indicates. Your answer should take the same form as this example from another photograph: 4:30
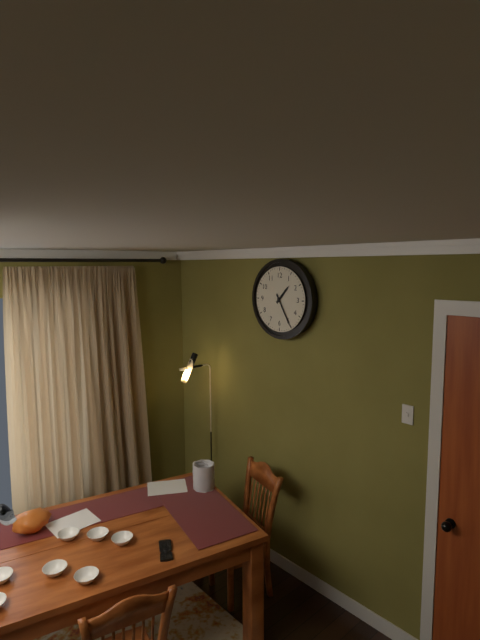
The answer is 1:25
